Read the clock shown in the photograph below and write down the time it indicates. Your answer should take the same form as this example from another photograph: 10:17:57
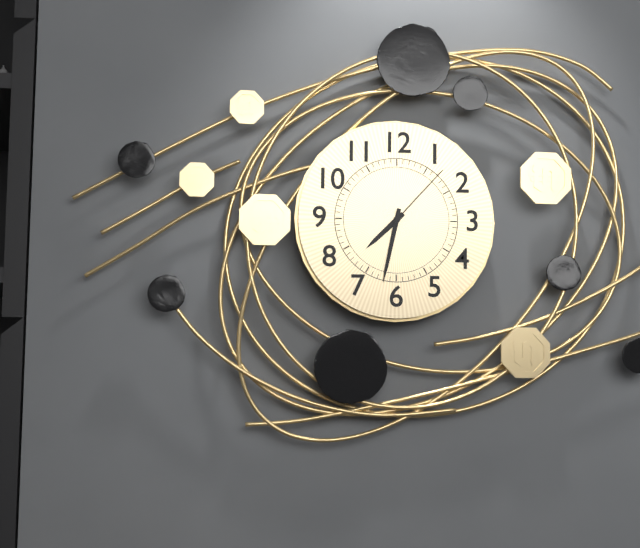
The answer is 7:32:07
